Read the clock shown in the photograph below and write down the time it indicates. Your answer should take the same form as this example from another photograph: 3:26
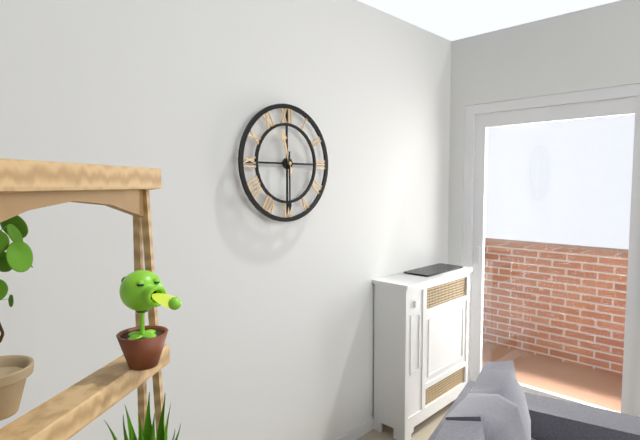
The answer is 11:30
